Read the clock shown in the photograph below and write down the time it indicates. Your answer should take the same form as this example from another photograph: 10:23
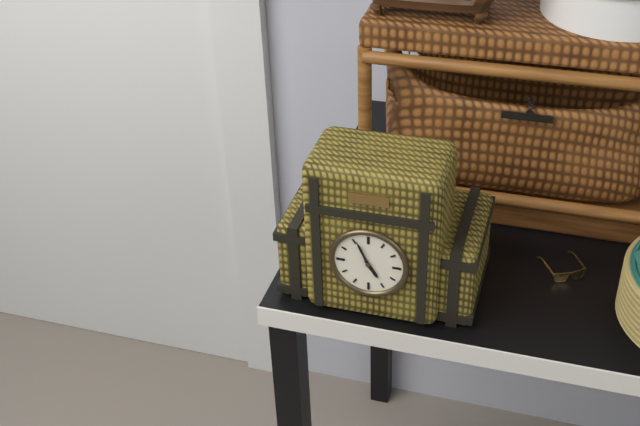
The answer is 4:56
